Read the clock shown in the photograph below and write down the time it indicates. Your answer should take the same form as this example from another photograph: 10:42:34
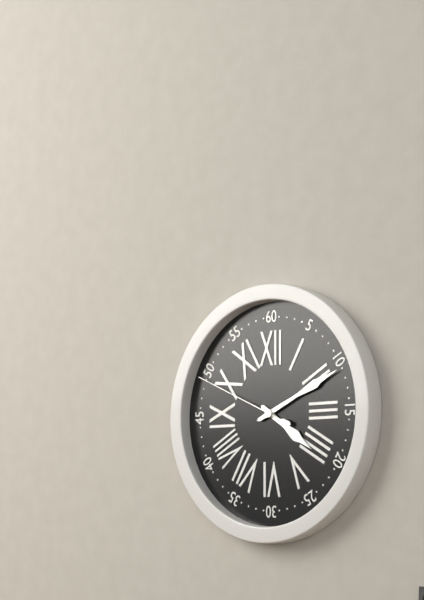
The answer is 4:11:49
